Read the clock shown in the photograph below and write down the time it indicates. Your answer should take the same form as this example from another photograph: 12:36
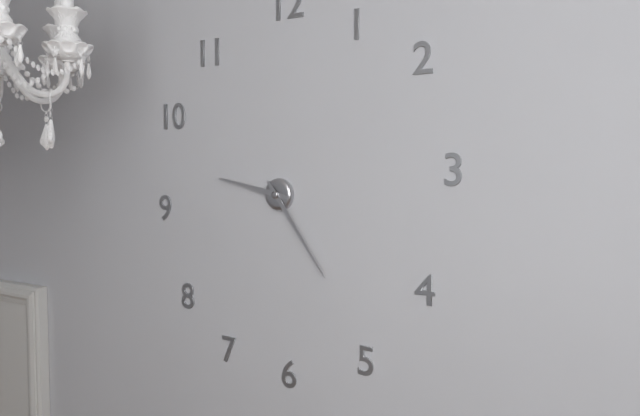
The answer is 9:24
